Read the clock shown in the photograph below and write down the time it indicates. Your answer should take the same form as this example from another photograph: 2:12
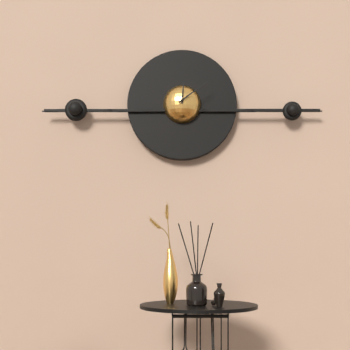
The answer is 12:09
